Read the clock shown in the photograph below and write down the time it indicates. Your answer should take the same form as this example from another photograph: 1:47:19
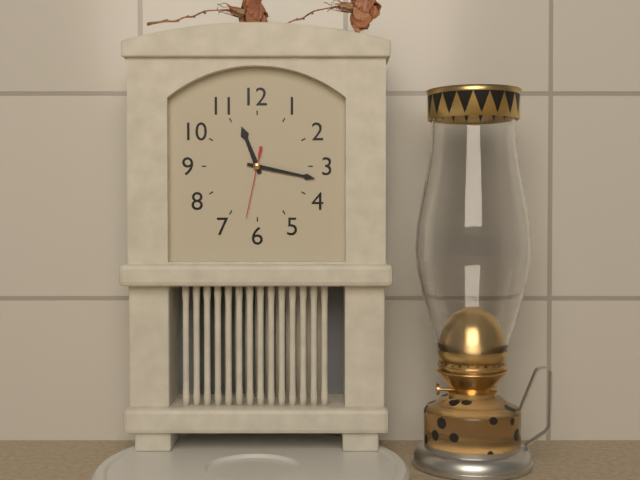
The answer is 11:17:32
